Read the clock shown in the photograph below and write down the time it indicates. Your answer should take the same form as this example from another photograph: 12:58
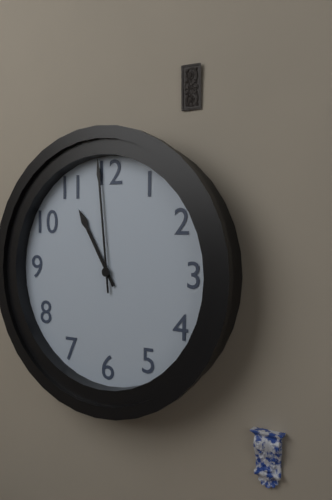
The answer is 10:59
